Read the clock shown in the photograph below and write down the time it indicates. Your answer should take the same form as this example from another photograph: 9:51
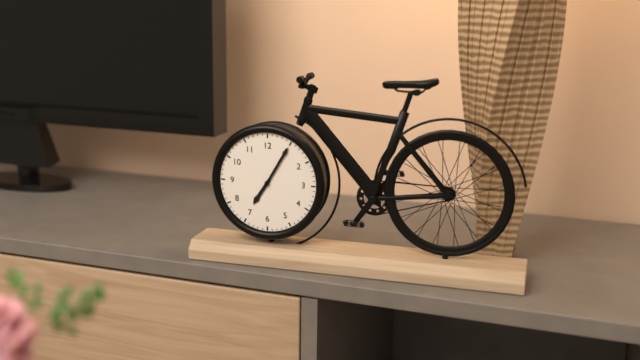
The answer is 7:05
